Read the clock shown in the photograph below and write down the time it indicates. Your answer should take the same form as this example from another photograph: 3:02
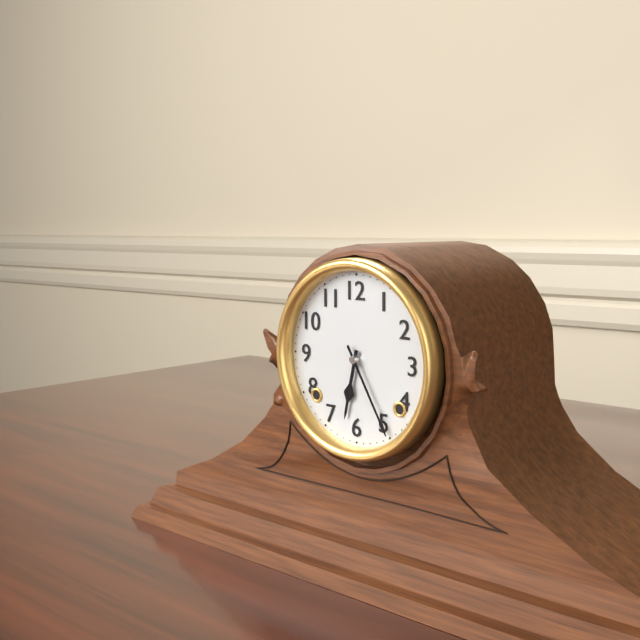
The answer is 6:25
